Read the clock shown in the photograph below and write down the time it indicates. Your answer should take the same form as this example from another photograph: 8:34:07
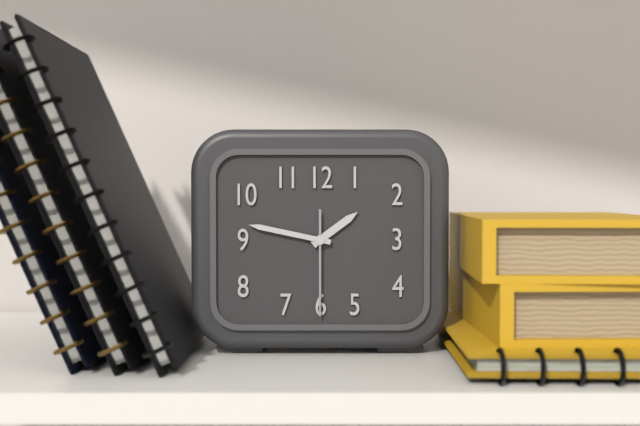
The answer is 1:47:30
